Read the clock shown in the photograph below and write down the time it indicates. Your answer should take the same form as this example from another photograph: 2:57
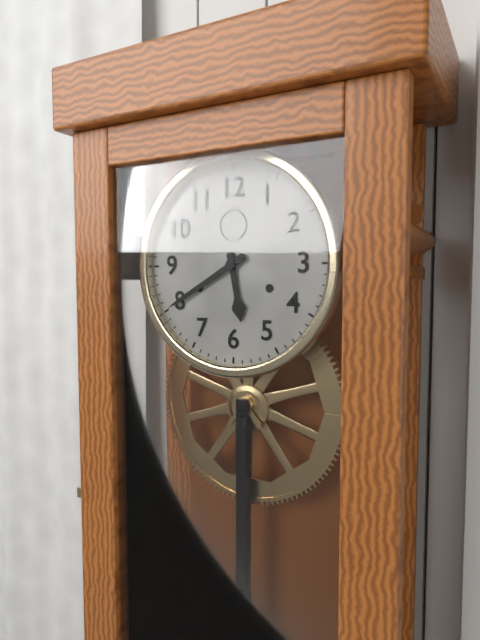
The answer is 5:40
